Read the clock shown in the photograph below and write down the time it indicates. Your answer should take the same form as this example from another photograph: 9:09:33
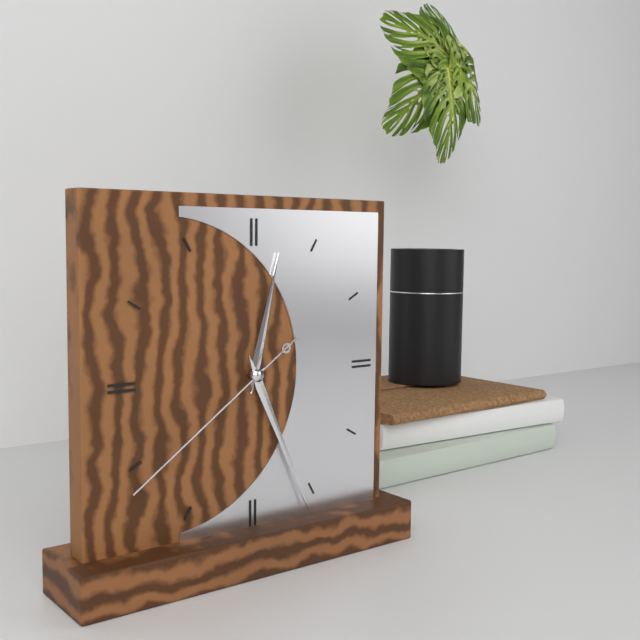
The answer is 12:26:39
